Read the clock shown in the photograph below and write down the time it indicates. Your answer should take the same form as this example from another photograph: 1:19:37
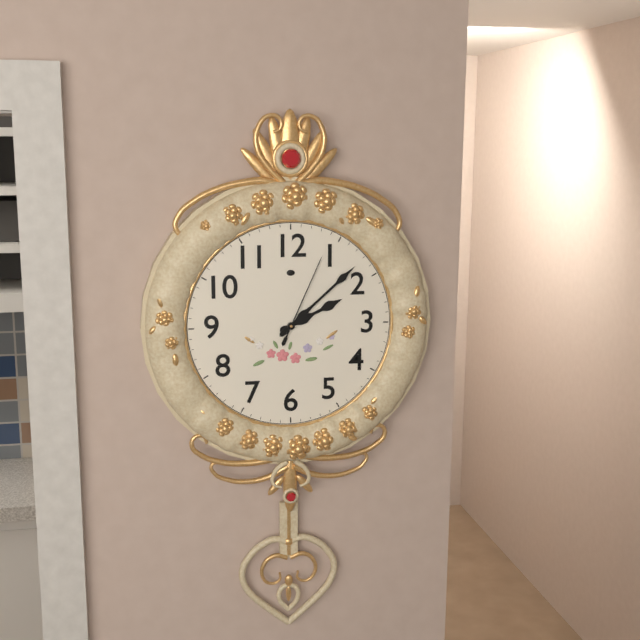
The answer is 2:08:04
